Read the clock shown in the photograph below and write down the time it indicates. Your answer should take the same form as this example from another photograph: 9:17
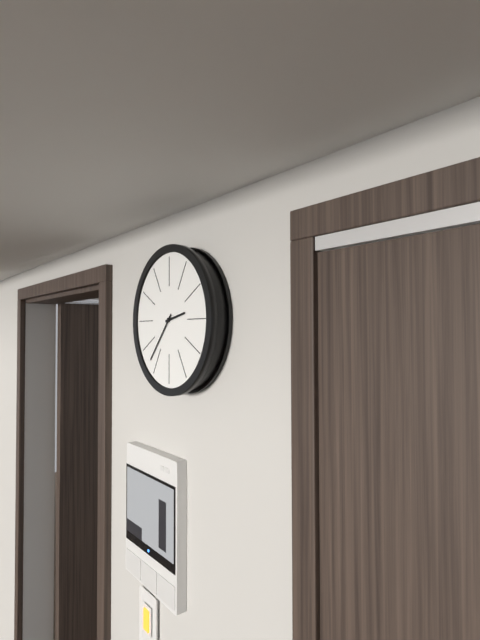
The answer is 2:37
